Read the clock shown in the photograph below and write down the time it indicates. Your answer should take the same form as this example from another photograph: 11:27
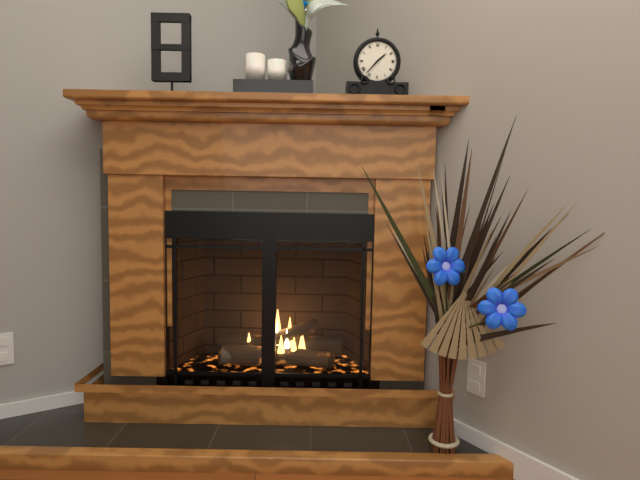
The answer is 1:37
